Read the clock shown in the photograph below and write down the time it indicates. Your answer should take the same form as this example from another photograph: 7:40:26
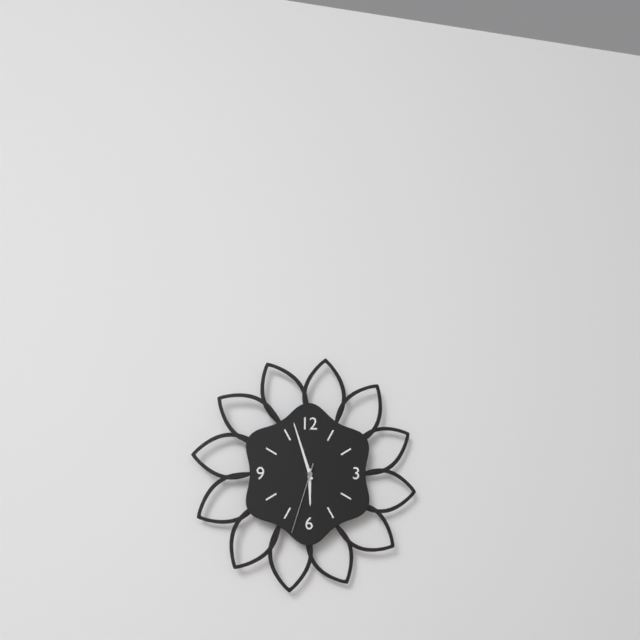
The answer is 5:57:33
